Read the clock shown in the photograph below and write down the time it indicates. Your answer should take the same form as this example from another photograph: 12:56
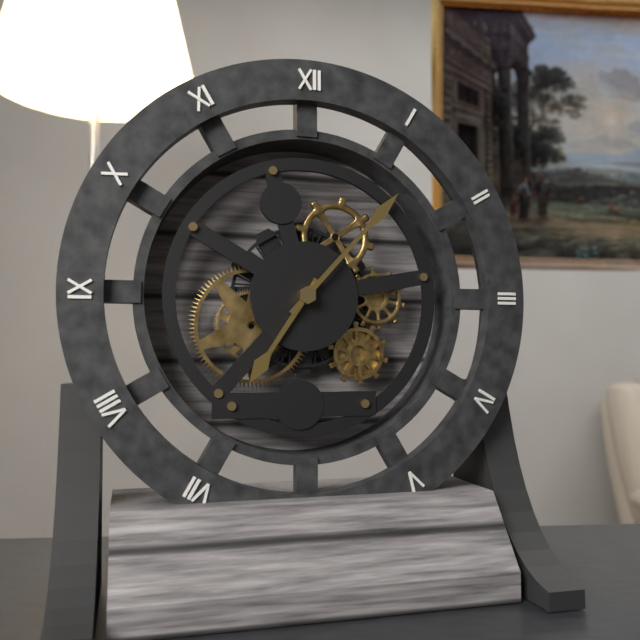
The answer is 7:07
